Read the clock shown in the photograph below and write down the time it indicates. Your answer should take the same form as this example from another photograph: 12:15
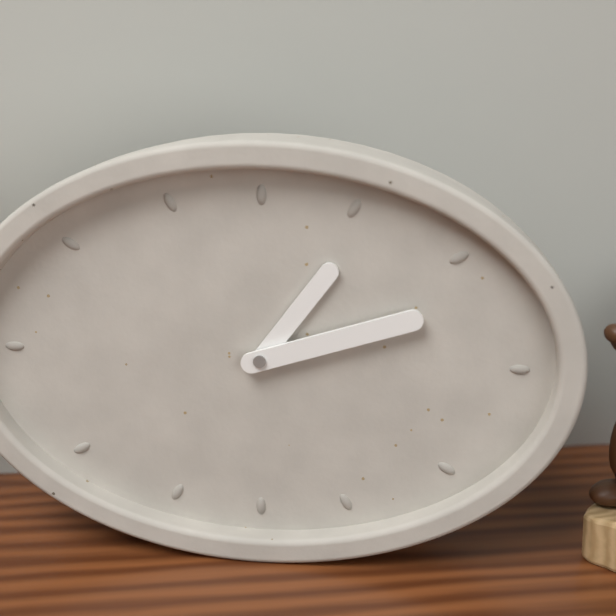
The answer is 1:12
